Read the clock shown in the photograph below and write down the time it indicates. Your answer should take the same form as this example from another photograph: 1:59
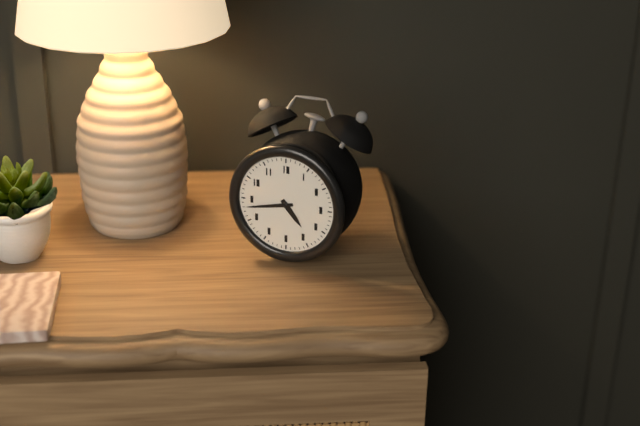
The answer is 4:43
